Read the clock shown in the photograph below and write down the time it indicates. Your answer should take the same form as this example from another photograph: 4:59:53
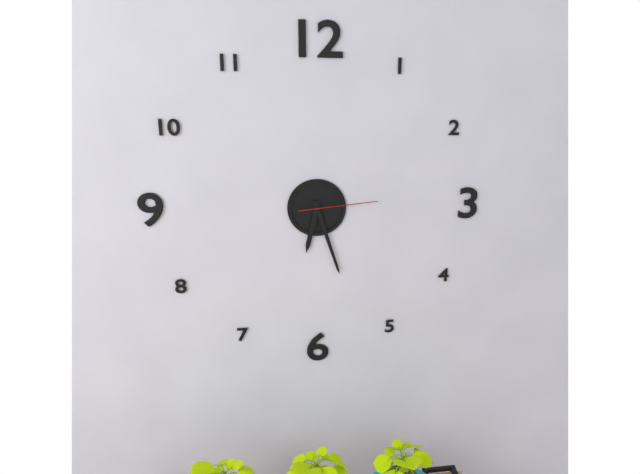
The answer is 6:27:14
